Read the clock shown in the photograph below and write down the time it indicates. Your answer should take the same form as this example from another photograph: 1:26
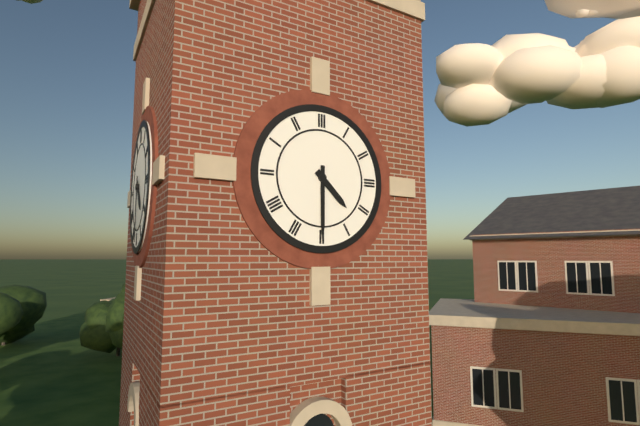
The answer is 4:30
